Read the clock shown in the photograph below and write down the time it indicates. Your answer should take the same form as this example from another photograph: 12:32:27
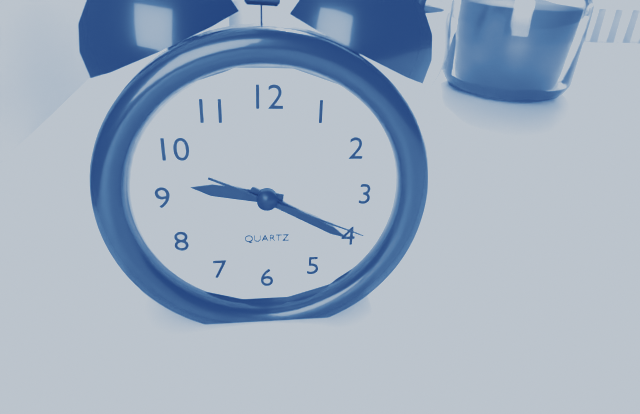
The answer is 9:20:19
